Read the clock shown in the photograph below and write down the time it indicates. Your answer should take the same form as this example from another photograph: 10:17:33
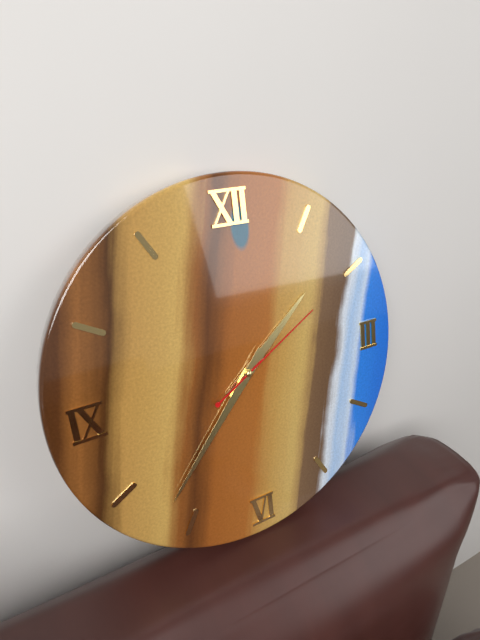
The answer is 1:37:10
